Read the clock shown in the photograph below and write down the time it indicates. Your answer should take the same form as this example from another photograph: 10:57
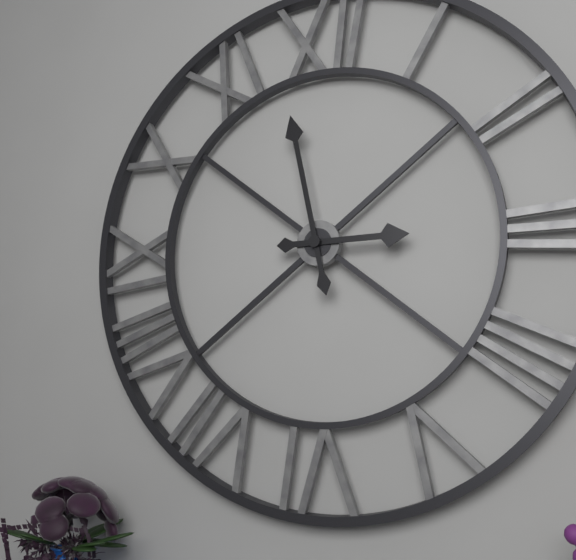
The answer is 2:58
